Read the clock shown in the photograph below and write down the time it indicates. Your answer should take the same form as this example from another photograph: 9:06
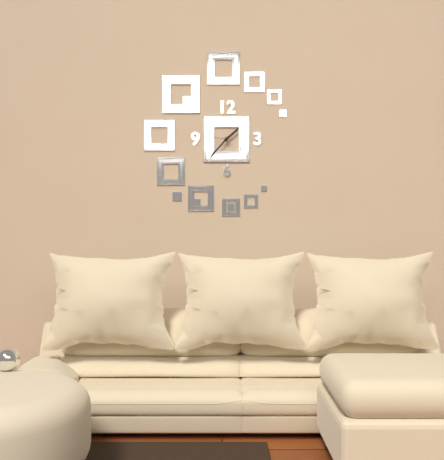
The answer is 1:37
